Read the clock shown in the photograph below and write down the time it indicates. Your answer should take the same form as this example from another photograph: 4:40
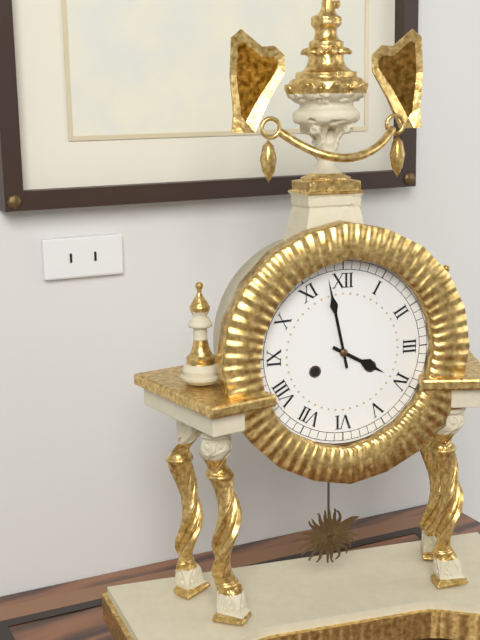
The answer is 3:58
